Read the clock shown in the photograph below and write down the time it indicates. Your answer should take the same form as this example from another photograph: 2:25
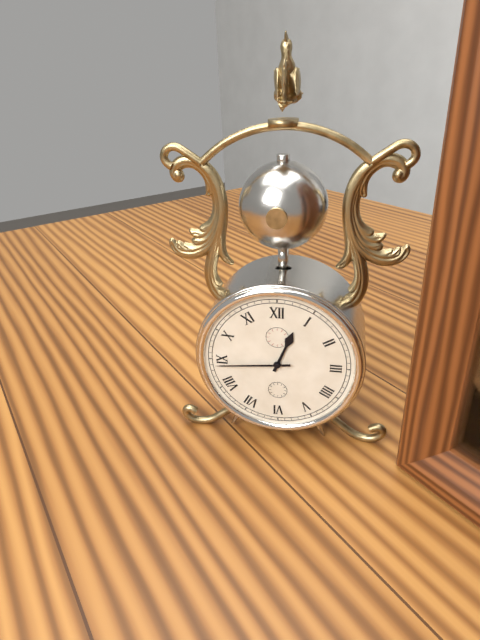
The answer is 12:44
